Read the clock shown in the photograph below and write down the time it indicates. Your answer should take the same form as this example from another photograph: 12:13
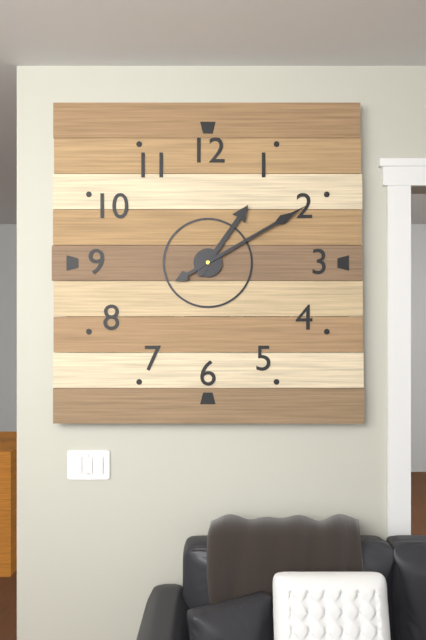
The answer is 1:10
